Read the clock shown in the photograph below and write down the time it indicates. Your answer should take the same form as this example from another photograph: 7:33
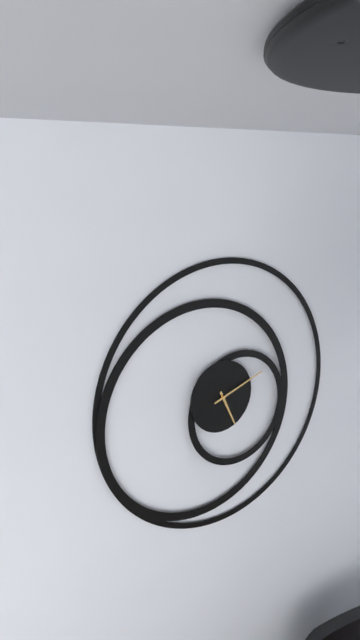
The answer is 5:12
